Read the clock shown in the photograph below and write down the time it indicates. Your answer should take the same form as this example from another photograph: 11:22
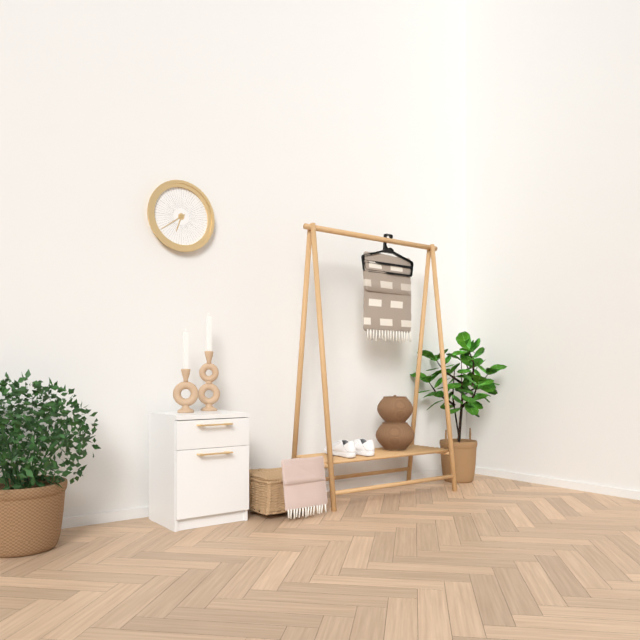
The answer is 6:39
